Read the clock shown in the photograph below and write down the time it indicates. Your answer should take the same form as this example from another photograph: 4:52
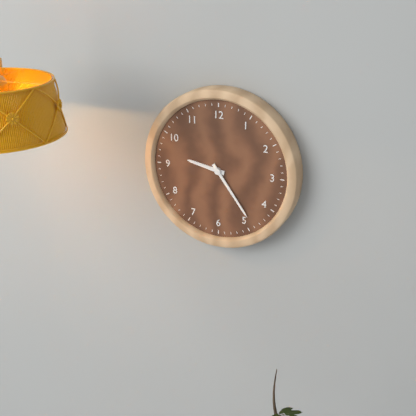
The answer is 9:24
